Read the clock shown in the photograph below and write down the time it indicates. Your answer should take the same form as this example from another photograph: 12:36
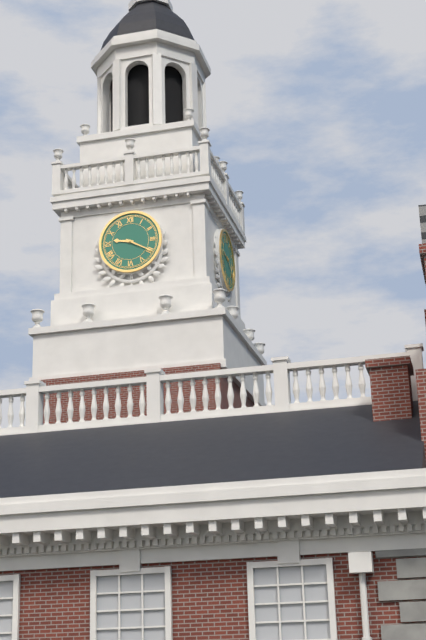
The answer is 9:20
